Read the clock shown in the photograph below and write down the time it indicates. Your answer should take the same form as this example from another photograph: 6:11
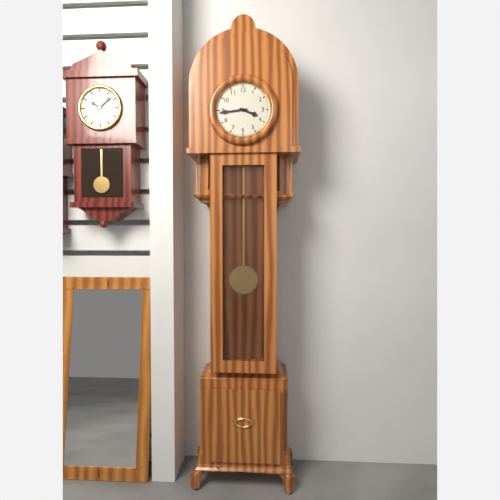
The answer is 3:44
